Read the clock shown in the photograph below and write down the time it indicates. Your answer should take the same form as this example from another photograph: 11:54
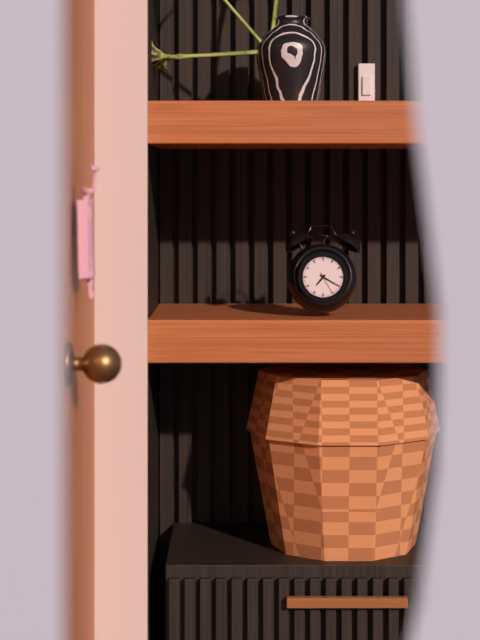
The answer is 7:20
